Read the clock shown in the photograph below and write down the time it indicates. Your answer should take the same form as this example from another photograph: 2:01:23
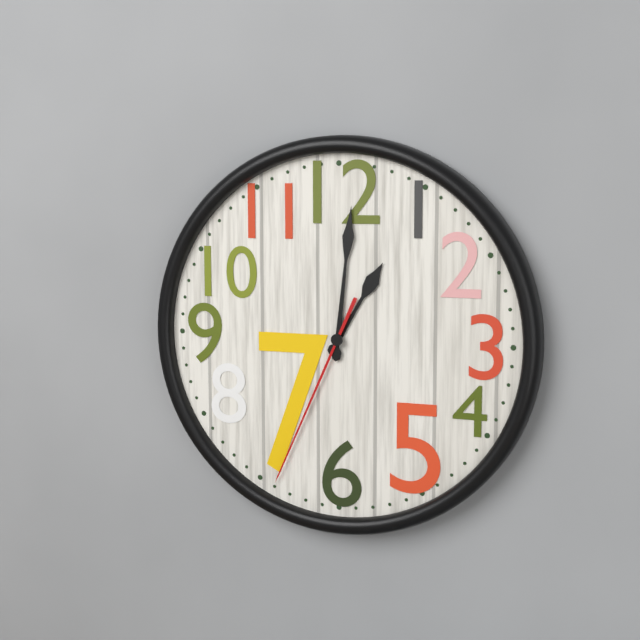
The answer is 1:01:34
